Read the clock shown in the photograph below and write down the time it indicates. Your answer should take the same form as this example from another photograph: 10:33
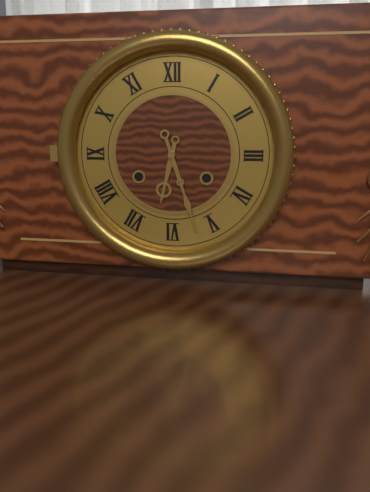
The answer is 6:27
